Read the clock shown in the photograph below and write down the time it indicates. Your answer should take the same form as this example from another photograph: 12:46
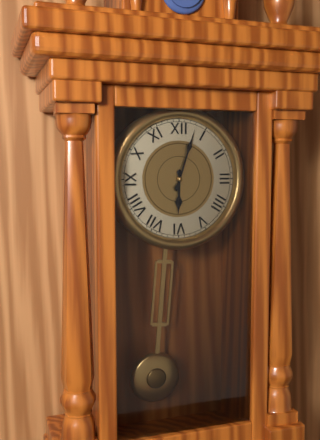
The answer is 6:03
